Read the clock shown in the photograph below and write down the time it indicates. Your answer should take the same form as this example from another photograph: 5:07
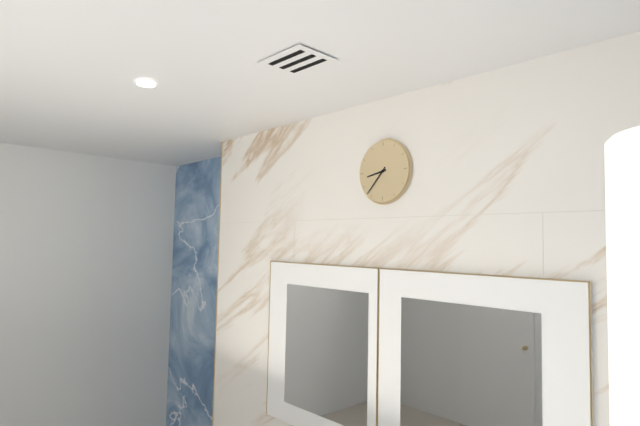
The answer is 8:37
